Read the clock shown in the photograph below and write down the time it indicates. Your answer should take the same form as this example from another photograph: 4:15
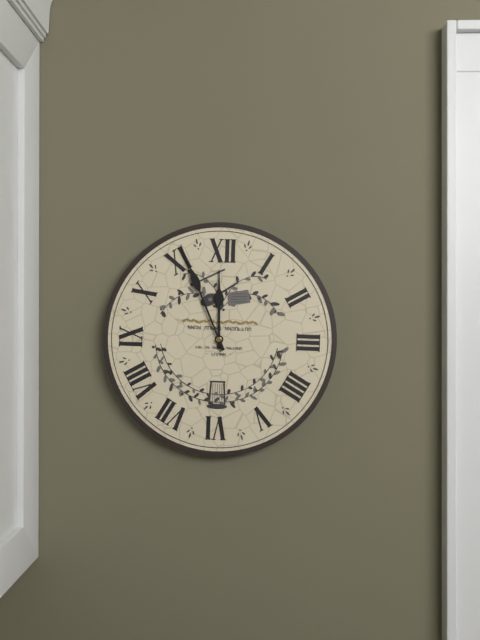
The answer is 11:56
